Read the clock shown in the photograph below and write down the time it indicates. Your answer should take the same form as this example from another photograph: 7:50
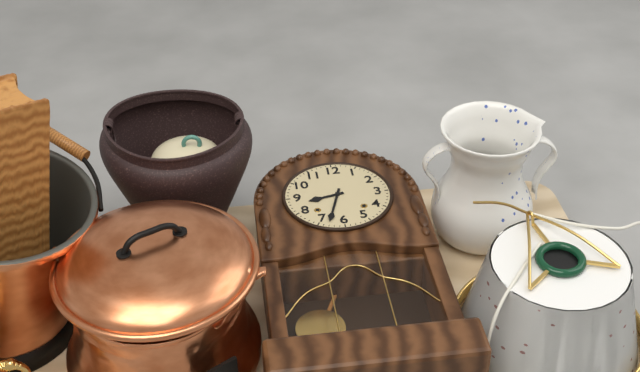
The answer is 8:33
